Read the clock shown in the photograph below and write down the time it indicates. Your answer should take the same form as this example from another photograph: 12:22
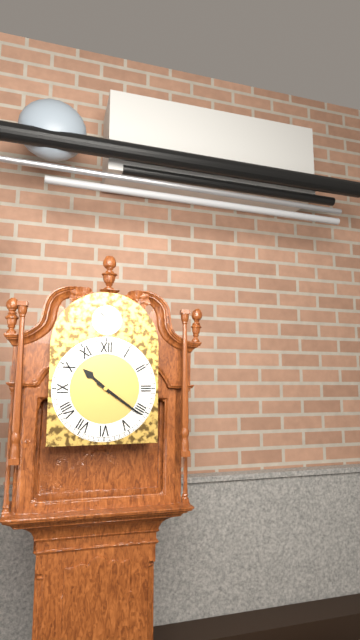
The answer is 10:21
